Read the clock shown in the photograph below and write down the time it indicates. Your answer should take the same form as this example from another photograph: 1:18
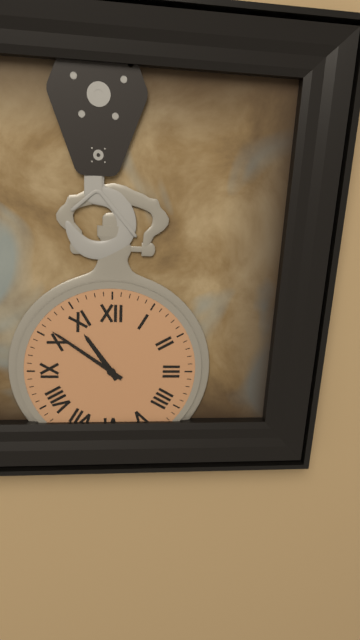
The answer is 10:51
